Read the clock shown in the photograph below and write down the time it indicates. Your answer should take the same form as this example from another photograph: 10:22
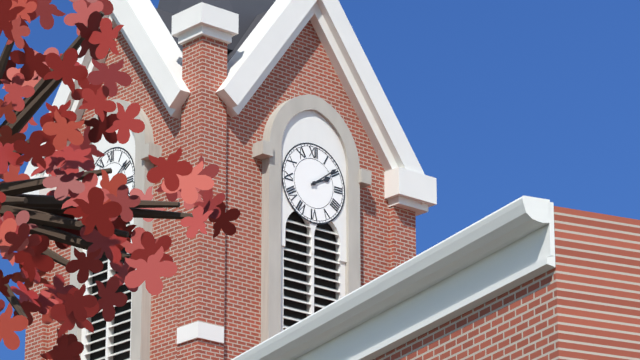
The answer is 2:09
